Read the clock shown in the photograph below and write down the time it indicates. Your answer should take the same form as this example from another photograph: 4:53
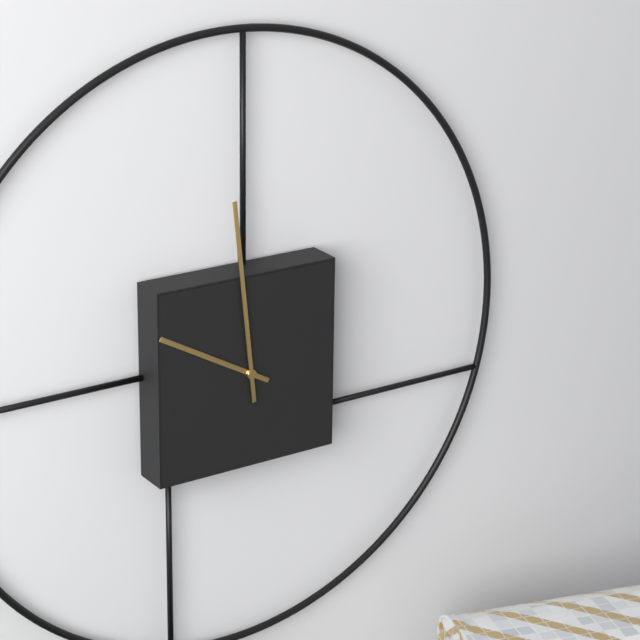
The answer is 9:59
